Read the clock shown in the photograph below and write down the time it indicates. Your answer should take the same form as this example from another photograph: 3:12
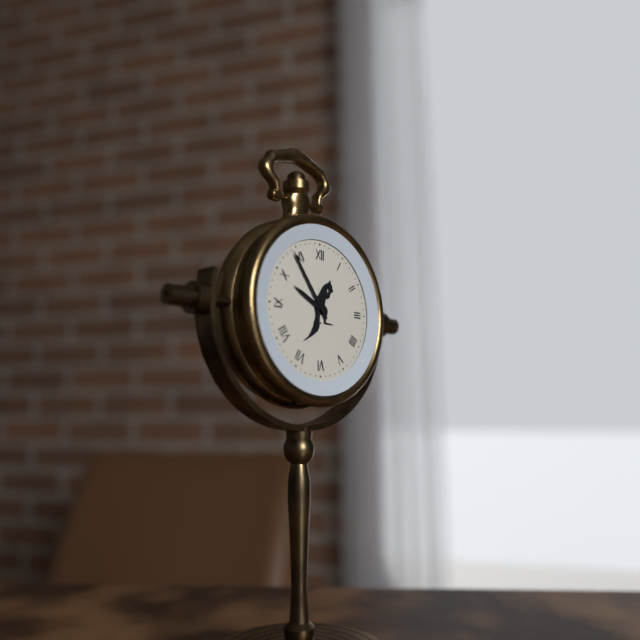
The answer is 9:54
